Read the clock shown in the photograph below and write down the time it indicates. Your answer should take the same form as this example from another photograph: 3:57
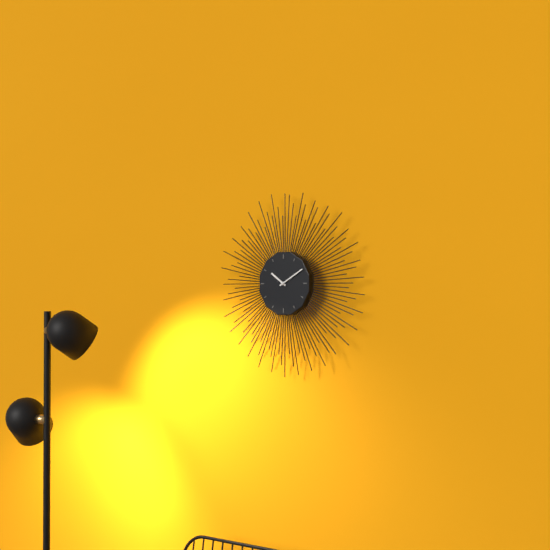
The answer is 10:10
